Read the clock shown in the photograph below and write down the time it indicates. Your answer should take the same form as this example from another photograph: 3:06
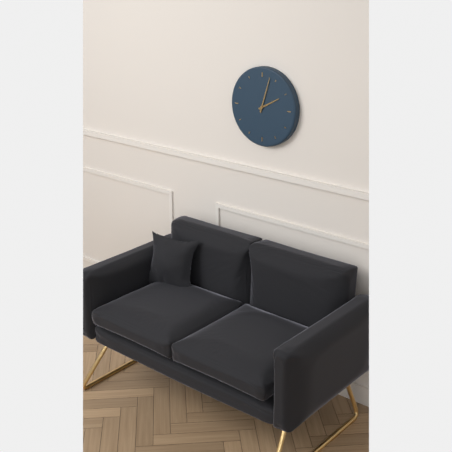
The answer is 2:03
